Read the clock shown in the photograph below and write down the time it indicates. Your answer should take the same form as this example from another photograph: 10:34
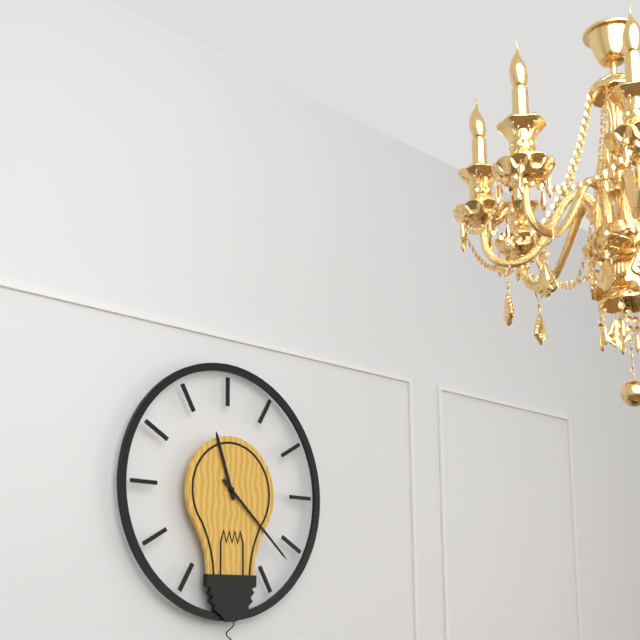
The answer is 11:22
